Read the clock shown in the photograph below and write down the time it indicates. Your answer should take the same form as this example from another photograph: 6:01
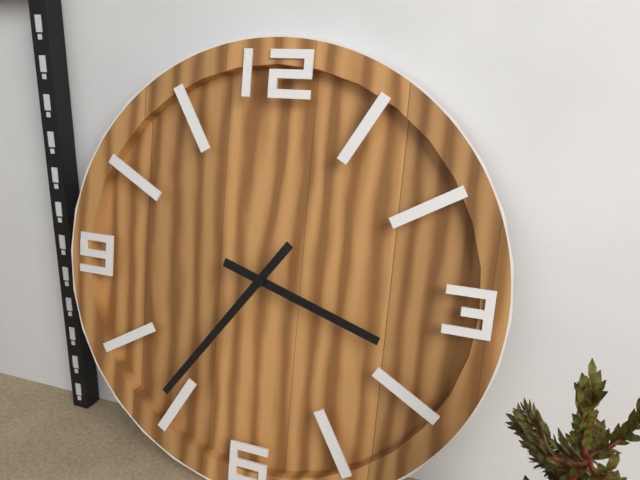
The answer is 3:36
